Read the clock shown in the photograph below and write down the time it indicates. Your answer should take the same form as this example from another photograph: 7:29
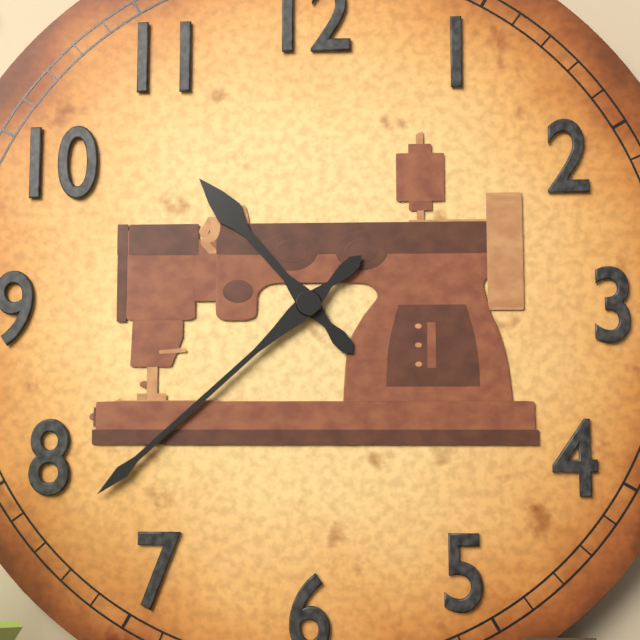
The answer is 10:38
